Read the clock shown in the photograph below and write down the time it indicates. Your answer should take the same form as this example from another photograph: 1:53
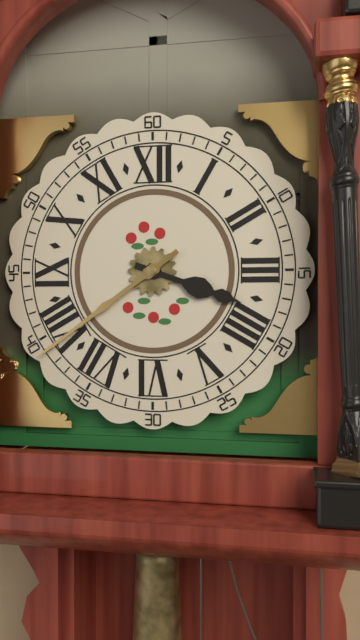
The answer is 3:39
